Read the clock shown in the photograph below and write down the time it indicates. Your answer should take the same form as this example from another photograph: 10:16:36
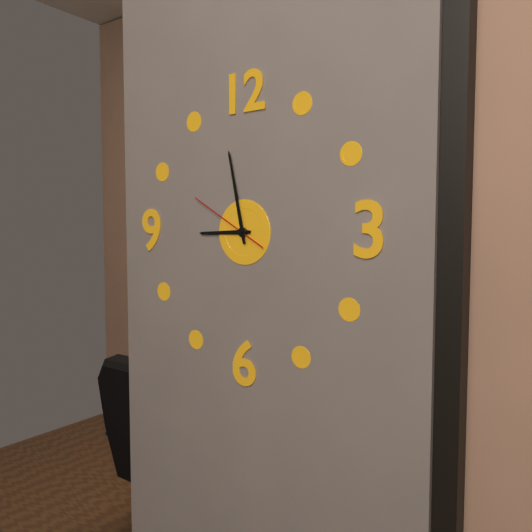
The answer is 8:58:50
